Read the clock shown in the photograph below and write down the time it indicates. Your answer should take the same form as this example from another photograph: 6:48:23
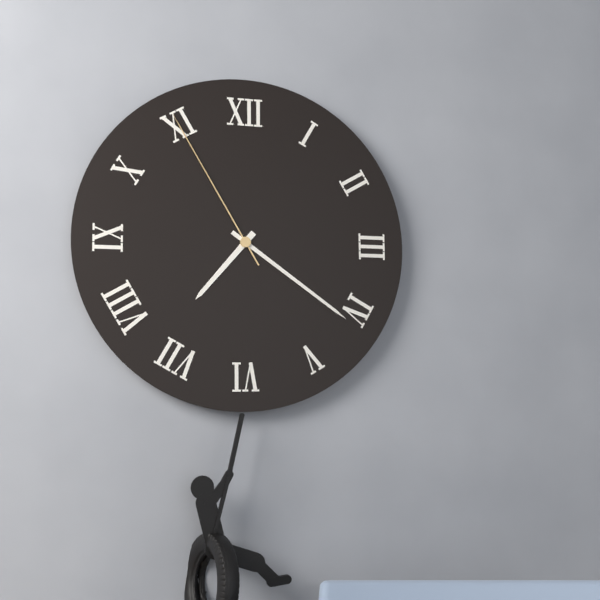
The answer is 7:21:55
